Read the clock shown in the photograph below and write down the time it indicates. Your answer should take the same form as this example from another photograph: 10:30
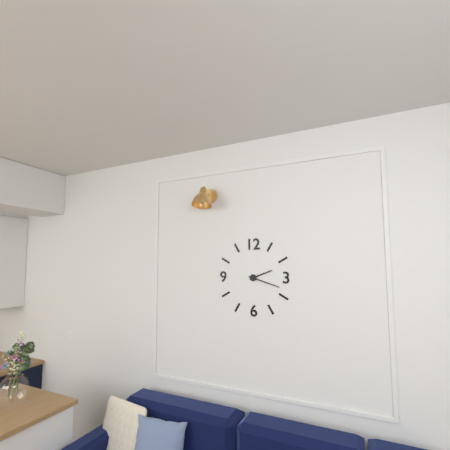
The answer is 2:18
